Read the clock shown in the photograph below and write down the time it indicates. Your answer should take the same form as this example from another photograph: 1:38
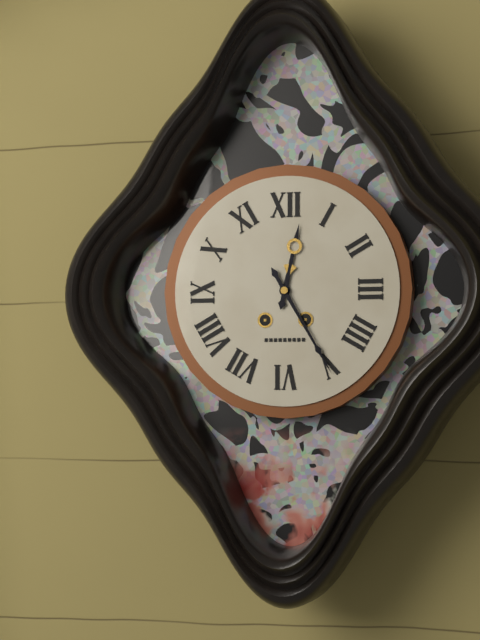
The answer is 12:25
